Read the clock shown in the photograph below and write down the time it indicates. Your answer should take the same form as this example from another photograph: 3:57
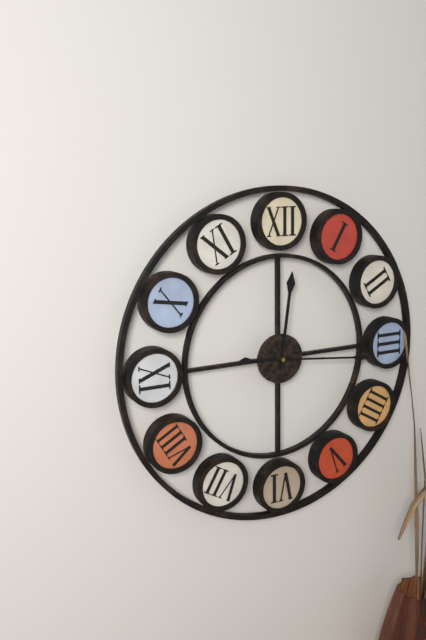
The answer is 12:16
